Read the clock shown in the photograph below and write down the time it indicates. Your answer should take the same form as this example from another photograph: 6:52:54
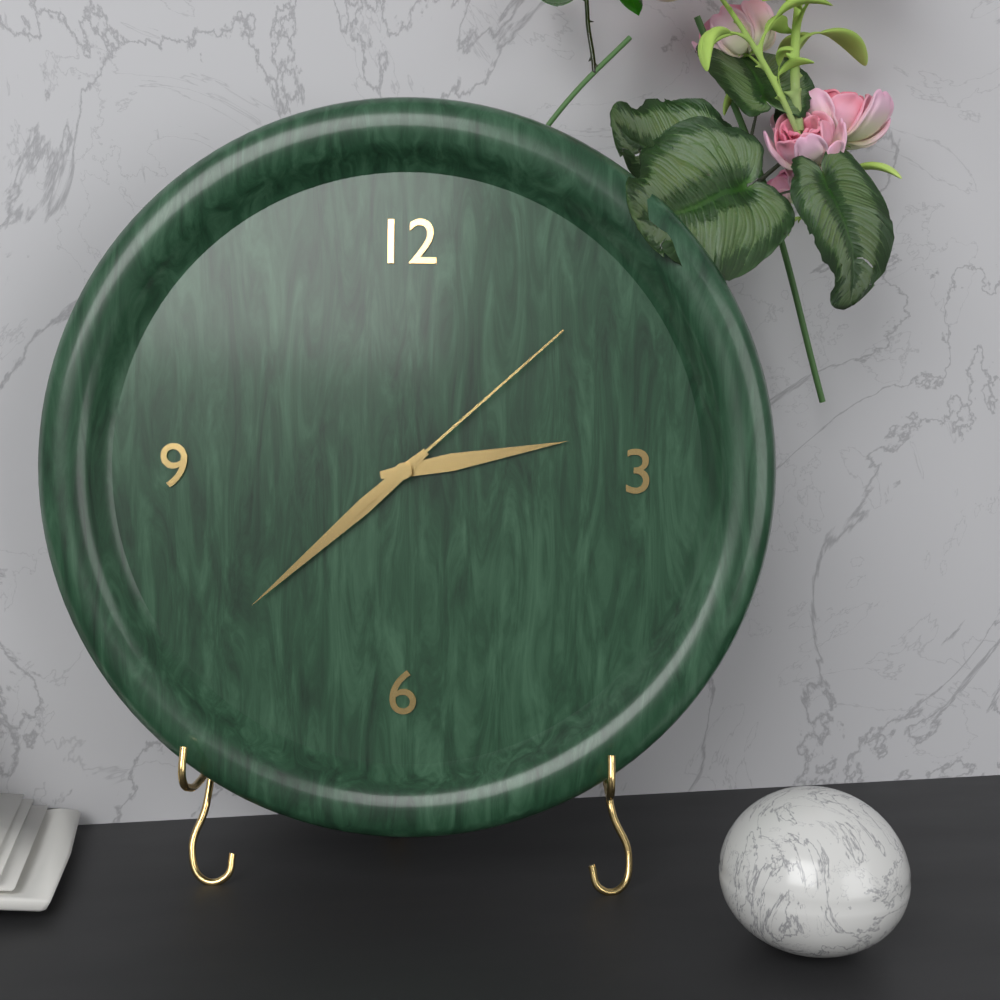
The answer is 2:38:08
